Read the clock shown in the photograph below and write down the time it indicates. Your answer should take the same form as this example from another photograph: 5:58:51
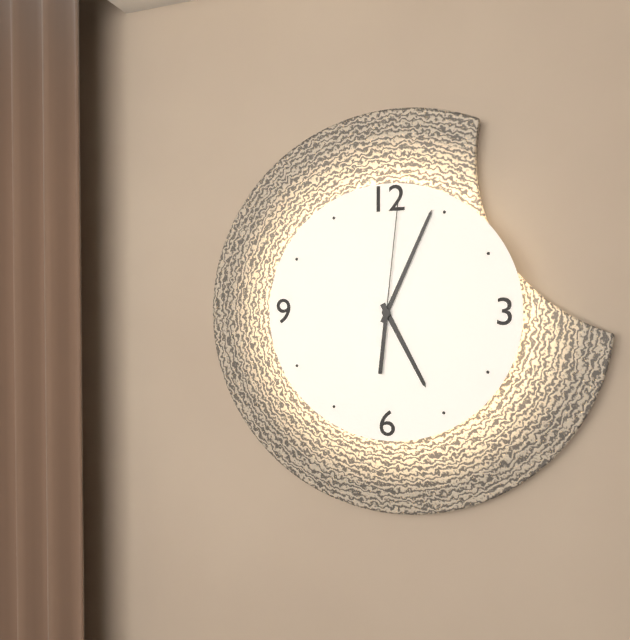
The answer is 5:04:01
